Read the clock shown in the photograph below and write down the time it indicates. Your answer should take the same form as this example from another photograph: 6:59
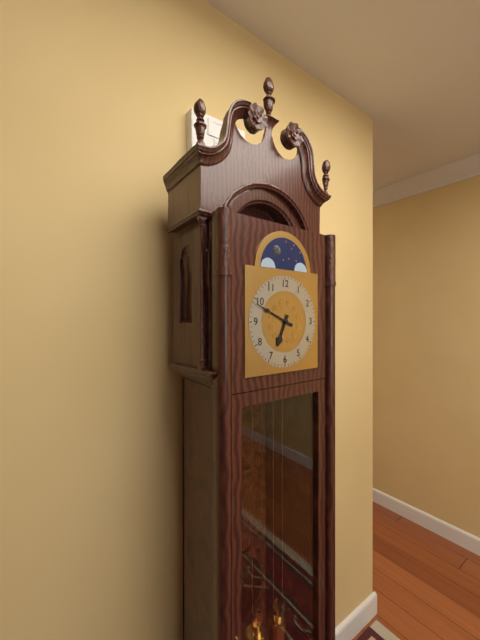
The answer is 6:49
